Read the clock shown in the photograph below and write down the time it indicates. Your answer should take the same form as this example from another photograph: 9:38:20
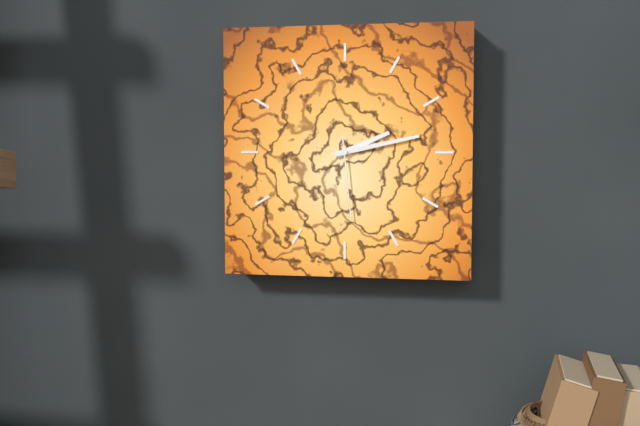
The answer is 2:13:29
